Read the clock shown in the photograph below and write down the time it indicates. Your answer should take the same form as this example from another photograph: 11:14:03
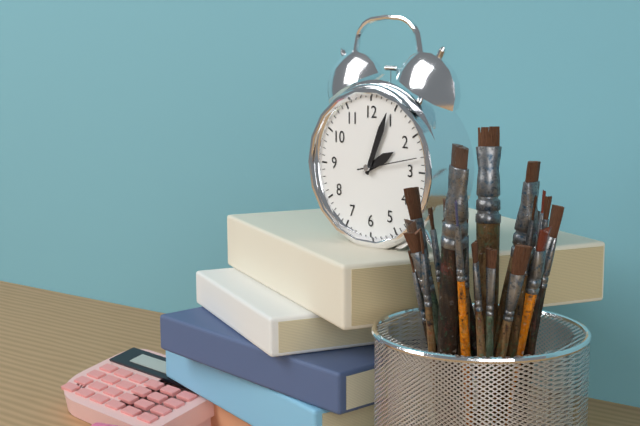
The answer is 2:04:13
